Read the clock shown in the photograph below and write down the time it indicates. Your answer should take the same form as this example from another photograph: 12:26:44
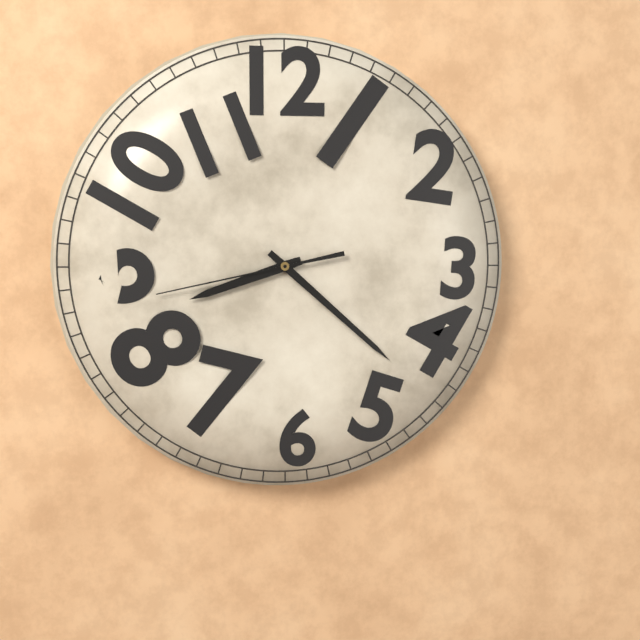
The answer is 8:22:43
